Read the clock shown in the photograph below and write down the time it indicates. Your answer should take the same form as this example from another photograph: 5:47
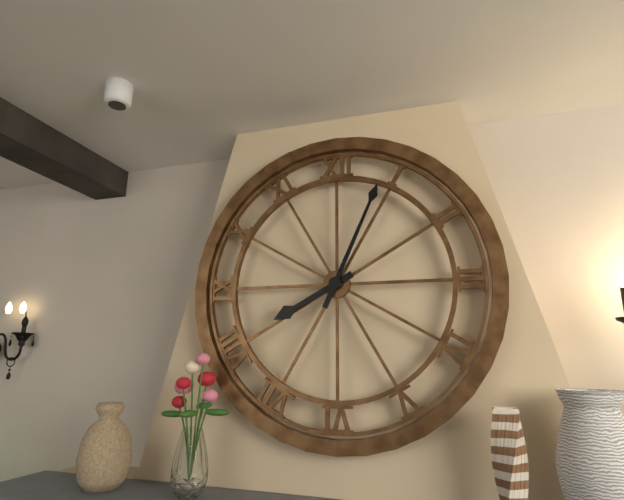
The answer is 8:04
